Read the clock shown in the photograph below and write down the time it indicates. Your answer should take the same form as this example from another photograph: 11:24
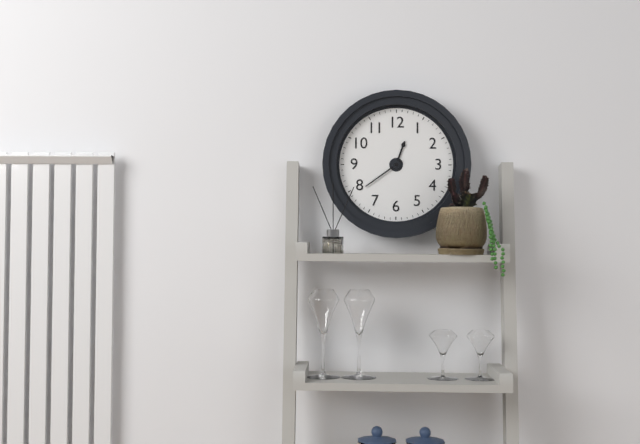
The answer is 12:39
